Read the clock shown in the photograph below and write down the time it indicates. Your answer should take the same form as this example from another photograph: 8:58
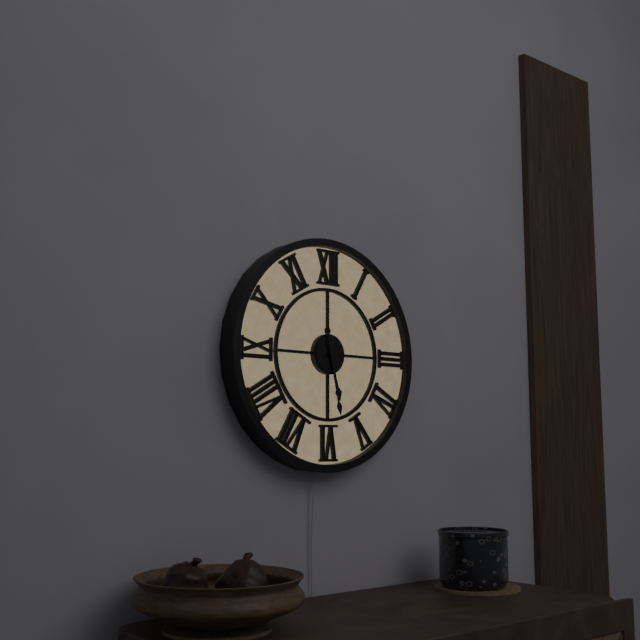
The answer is 5:28
